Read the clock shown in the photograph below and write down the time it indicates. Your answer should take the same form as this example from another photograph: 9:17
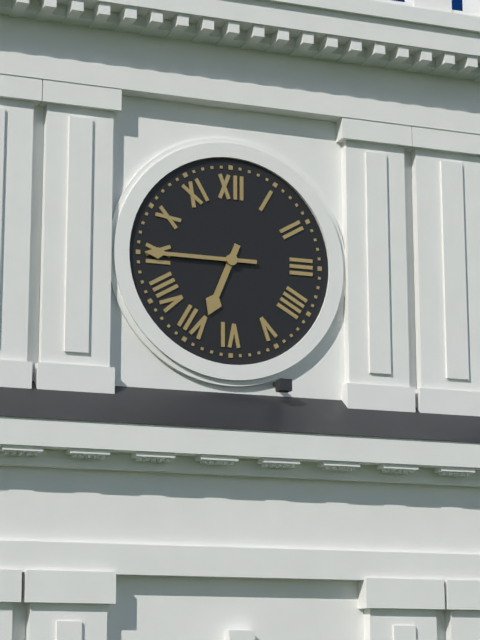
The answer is 6:45
